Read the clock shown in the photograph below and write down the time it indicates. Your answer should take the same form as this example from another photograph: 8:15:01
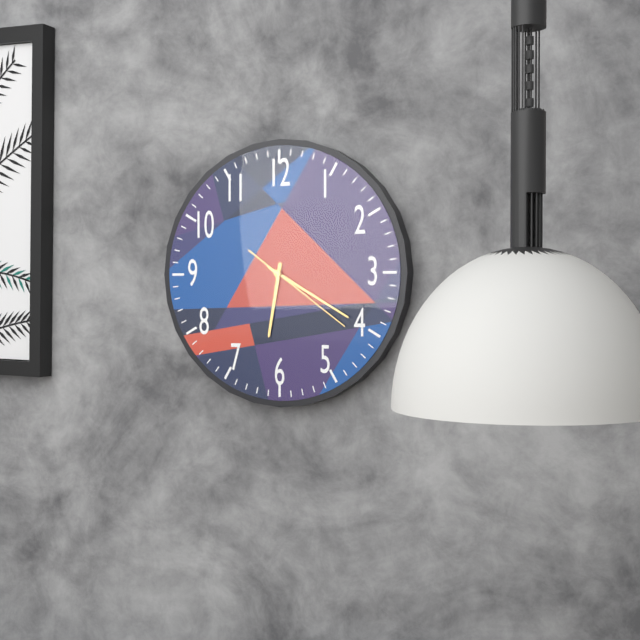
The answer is 6:20:21
